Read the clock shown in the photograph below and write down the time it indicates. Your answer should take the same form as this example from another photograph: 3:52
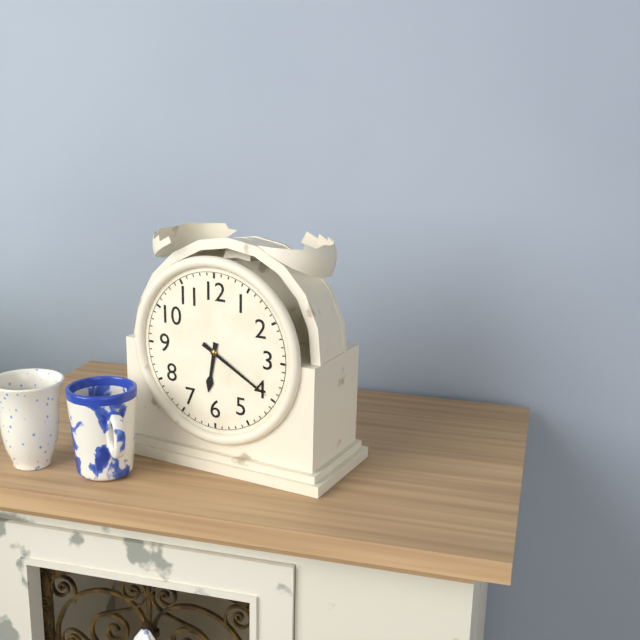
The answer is 6:20
